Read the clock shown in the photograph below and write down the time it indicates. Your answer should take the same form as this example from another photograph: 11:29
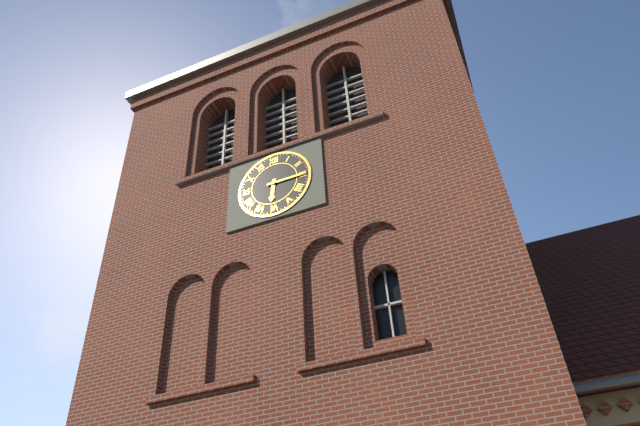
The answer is 6:15
